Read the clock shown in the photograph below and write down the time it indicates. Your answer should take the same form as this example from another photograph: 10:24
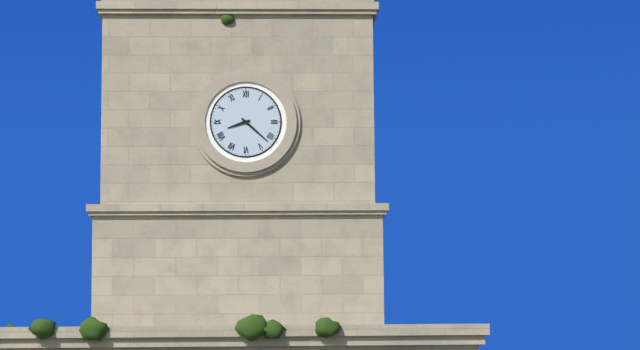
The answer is 8:22
